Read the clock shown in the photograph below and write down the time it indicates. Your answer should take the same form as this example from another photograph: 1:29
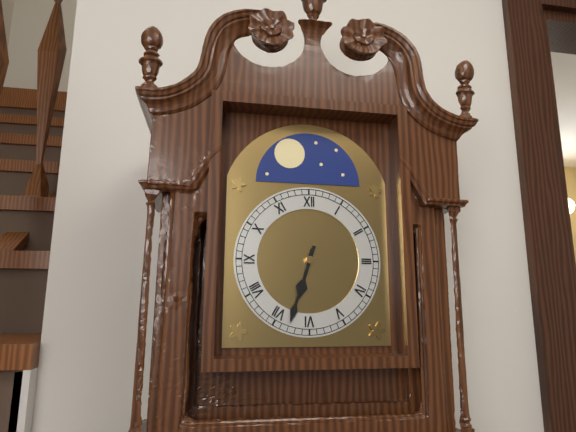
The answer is 6:33
